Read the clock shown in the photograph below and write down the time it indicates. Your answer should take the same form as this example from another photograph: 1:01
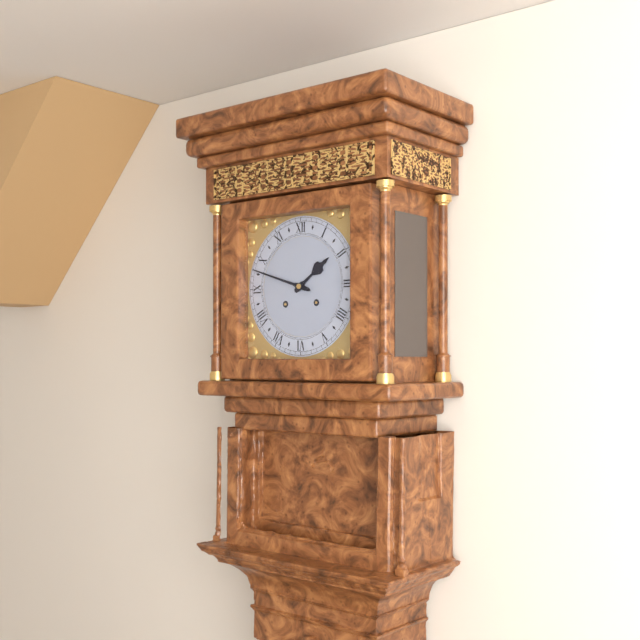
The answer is 1:48
